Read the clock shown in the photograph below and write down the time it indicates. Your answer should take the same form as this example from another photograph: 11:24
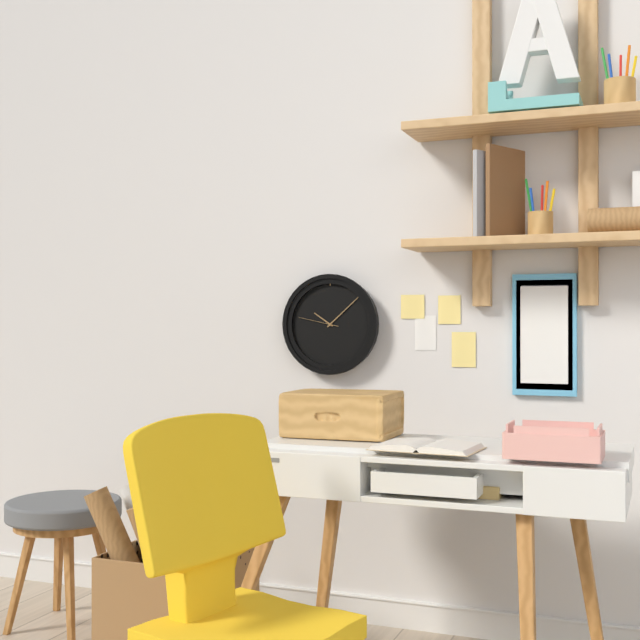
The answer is 10:08
